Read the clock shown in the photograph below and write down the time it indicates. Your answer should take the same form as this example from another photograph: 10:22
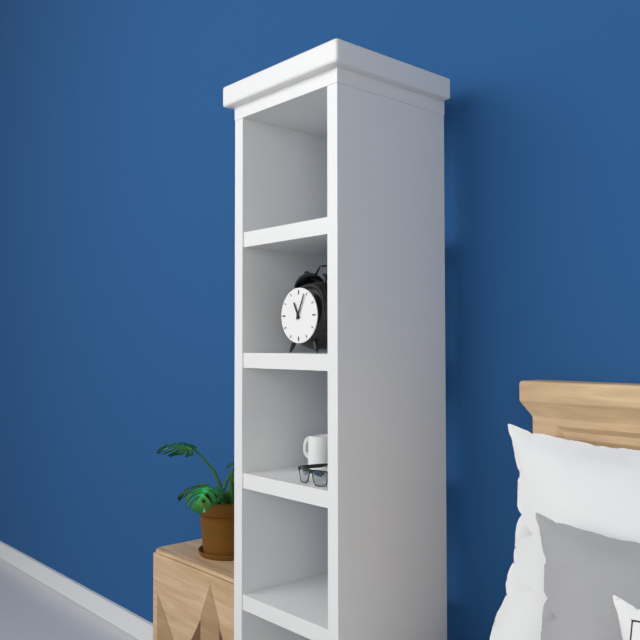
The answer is 11:04
